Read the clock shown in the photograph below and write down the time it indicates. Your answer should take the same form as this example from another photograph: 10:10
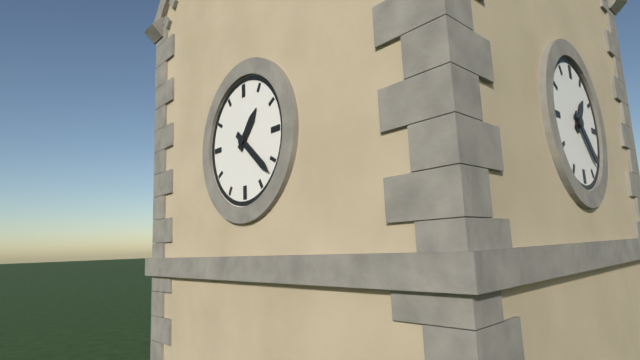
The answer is 1:22
